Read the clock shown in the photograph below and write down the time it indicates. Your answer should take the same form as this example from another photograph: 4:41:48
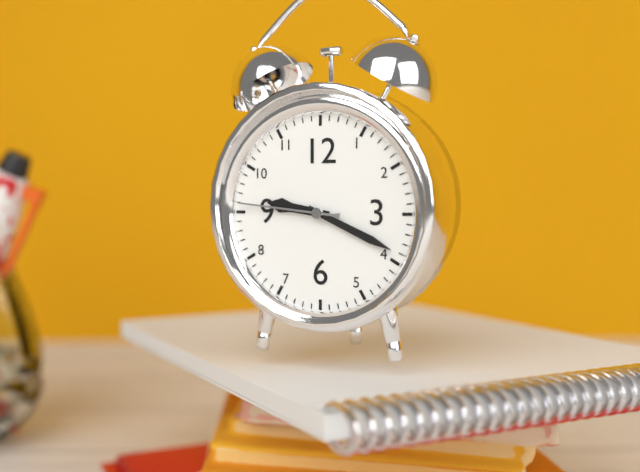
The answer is 9:19:46
